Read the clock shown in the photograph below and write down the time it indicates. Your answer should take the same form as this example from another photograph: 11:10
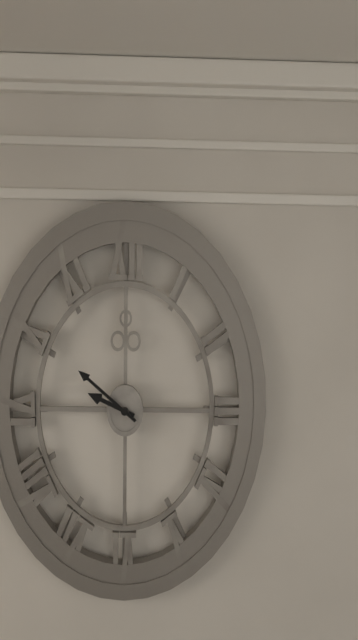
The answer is 9:52
